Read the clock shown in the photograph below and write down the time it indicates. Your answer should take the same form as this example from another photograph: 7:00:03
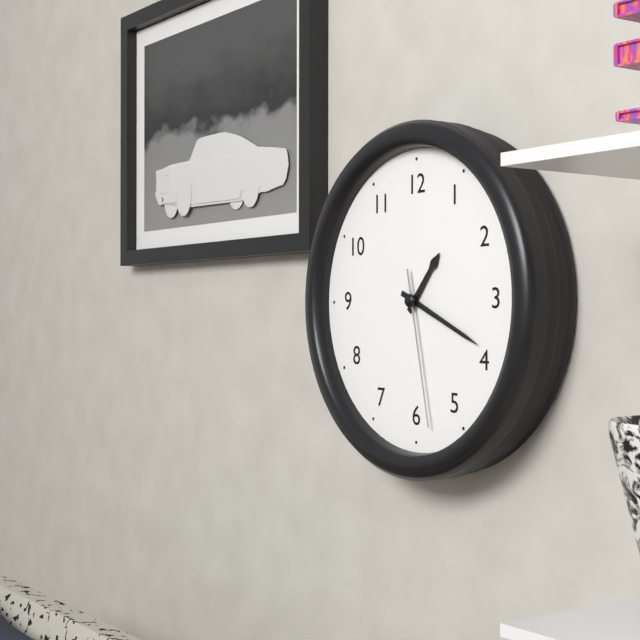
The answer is 1:19:28
